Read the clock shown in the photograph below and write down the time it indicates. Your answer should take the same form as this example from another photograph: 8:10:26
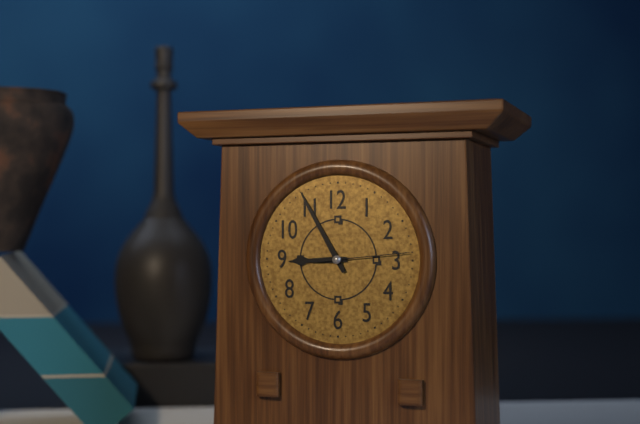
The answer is 8:55:14
